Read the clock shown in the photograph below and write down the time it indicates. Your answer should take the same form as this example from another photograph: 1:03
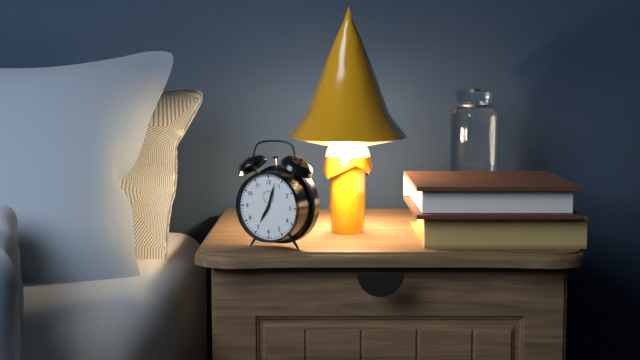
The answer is 7:03
